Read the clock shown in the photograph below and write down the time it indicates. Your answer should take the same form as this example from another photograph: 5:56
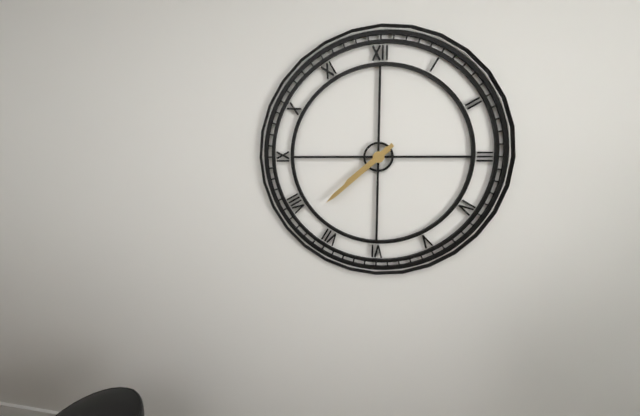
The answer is 7:38
